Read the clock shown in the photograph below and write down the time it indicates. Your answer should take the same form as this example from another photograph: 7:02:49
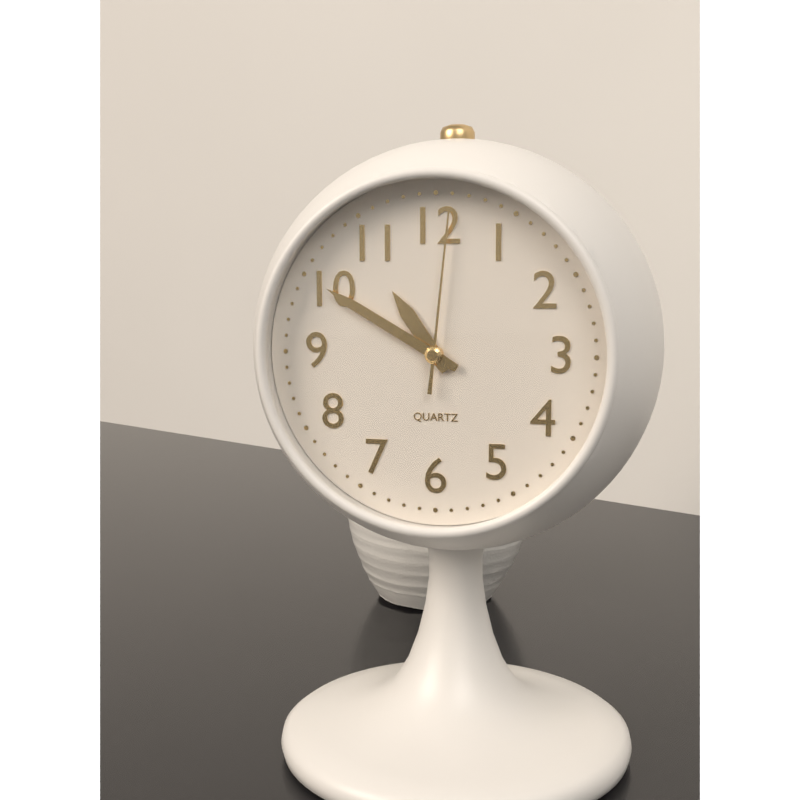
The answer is 10:50:01
